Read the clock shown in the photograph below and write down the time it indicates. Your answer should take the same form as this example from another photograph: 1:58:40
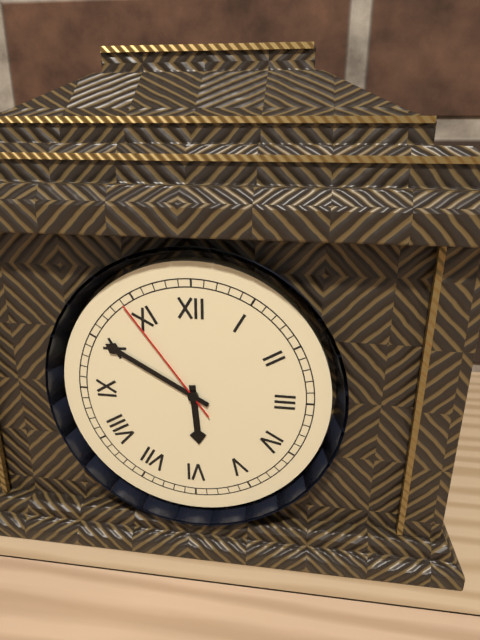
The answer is 5:50:54
